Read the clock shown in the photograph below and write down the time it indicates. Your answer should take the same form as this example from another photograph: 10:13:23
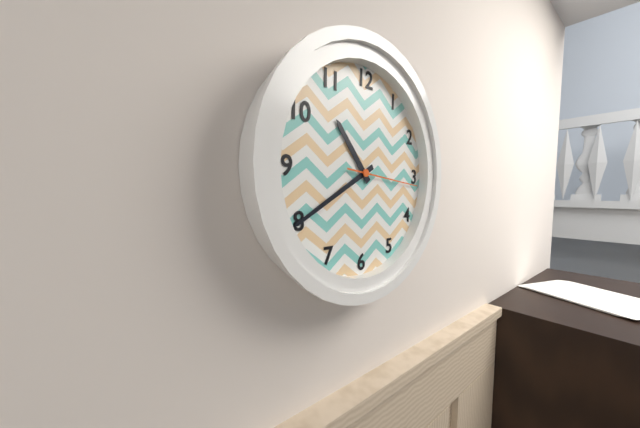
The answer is 10:40:16
